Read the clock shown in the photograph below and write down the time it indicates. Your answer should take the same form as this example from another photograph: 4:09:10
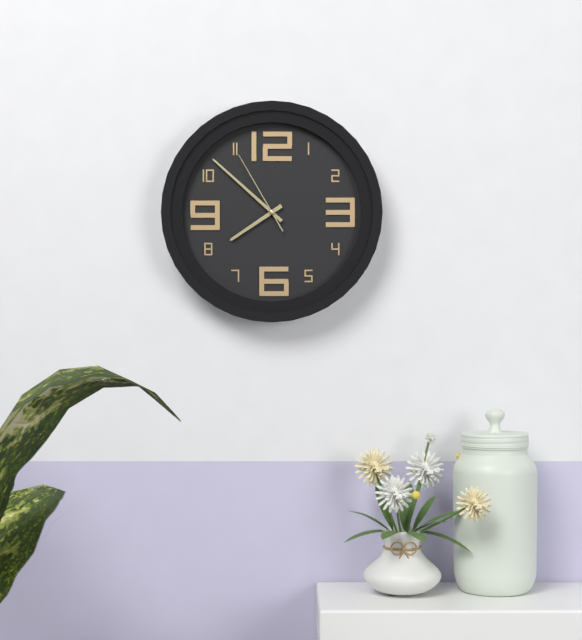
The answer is 7:52:55
